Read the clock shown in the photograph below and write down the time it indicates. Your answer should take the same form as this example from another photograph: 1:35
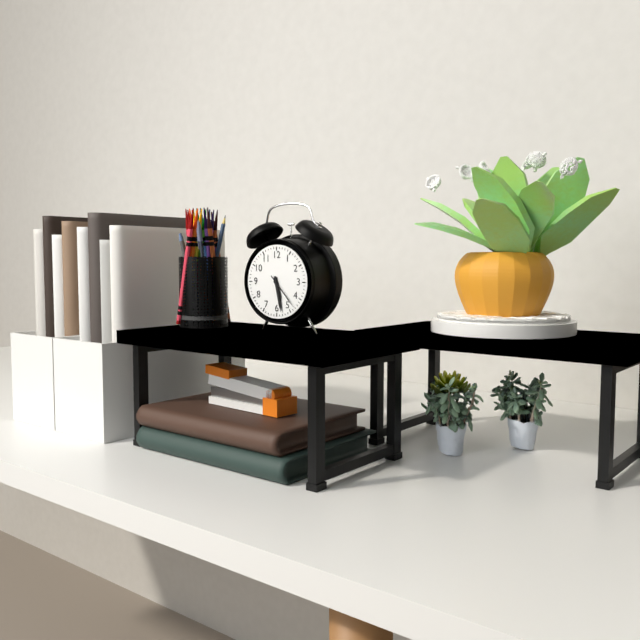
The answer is 5:28
